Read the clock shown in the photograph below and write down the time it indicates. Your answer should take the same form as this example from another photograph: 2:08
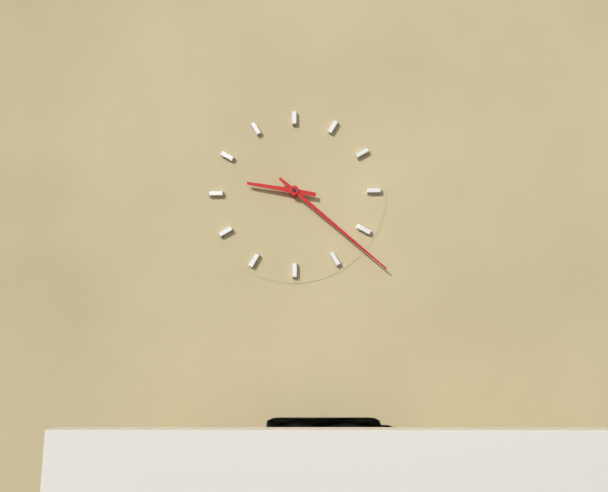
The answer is 9:22
